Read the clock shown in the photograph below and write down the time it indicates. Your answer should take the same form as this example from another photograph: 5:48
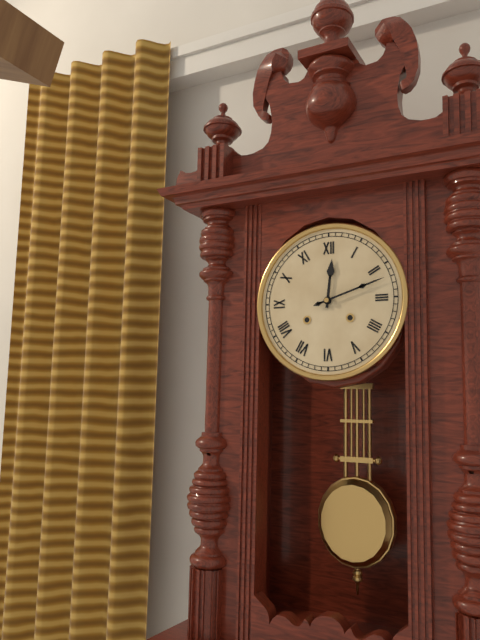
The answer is 12:12
